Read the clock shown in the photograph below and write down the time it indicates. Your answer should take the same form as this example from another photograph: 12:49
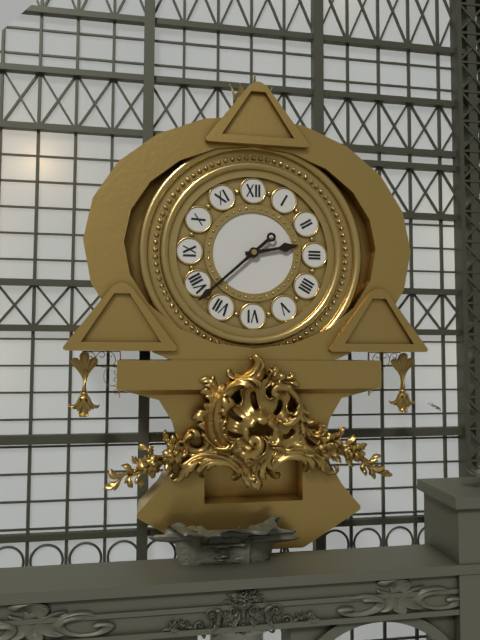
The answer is 2:38
